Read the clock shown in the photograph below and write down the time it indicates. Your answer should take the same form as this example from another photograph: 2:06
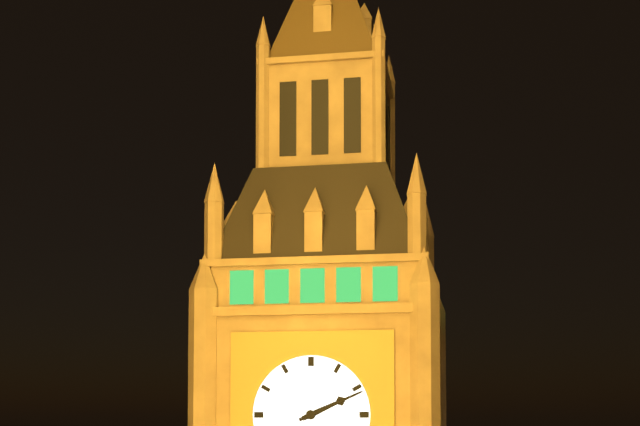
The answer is 2:11
